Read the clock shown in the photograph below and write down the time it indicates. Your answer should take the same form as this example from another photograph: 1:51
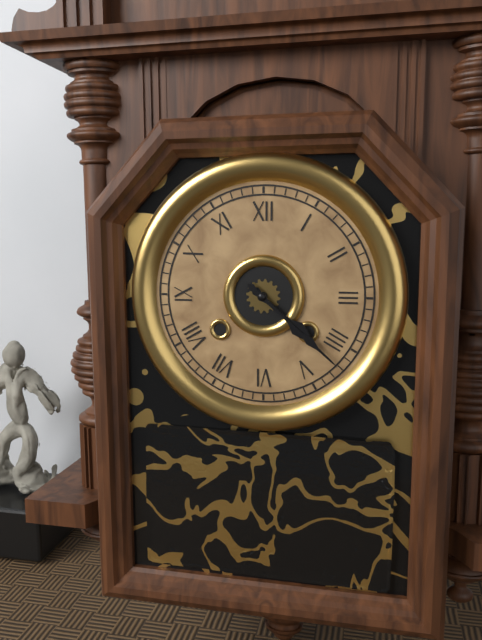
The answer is 4:22
